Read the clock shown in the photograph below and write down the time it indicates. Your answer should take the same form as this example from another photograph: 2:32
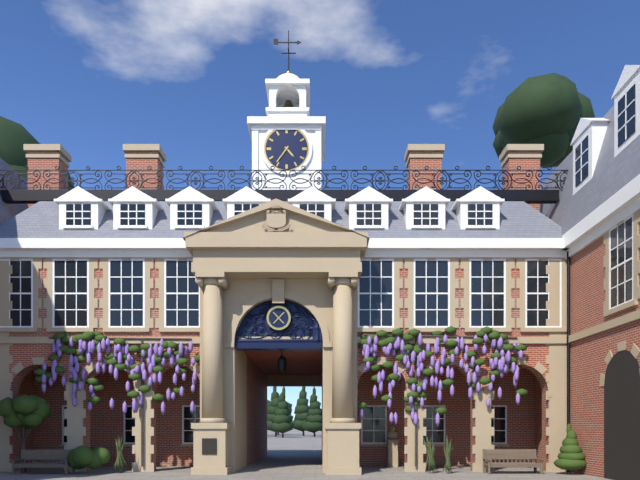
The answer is 4:36
